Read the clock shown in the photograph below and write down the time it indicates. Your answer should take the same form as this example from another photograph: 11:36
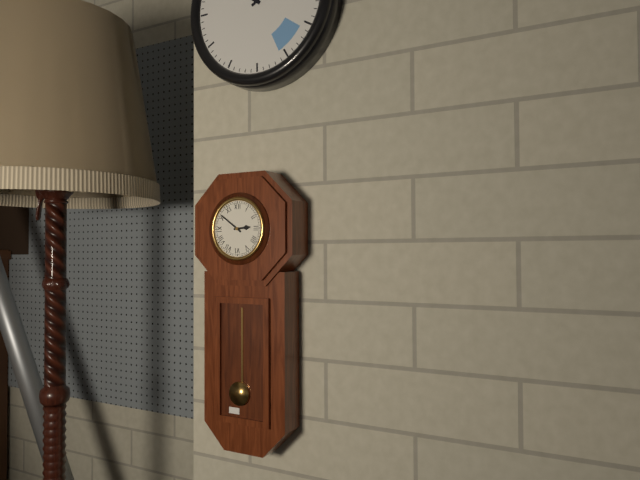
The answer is 2:51
